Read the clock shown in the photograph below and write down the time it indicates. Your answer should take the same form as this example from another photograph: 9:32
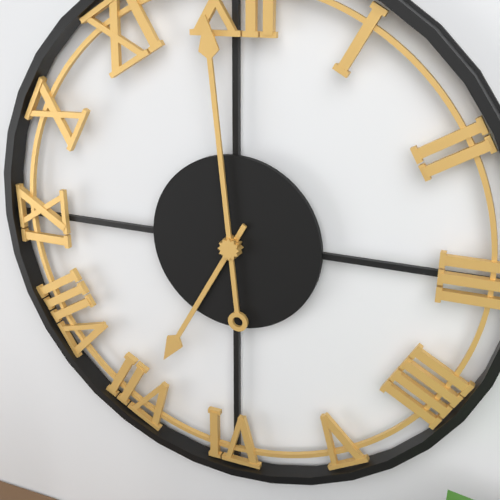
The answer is 6:59
